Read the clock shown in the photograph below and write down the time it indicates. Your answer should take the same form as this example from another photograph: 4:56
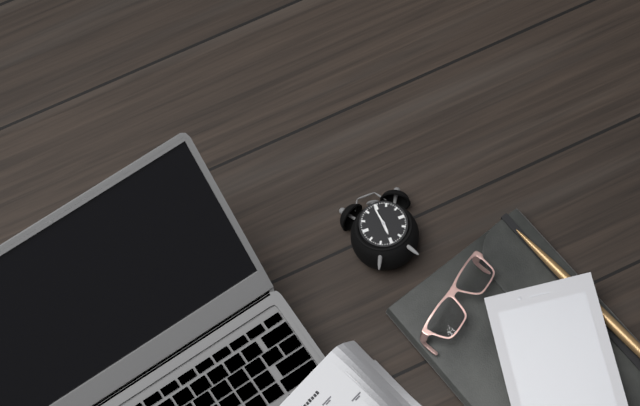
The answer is 5:59
